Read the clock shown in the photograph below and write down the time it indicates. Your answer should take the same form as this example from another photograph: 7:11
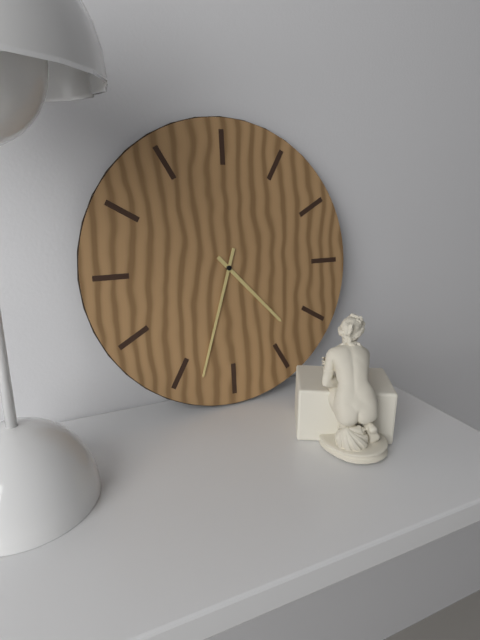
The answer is 4:33
